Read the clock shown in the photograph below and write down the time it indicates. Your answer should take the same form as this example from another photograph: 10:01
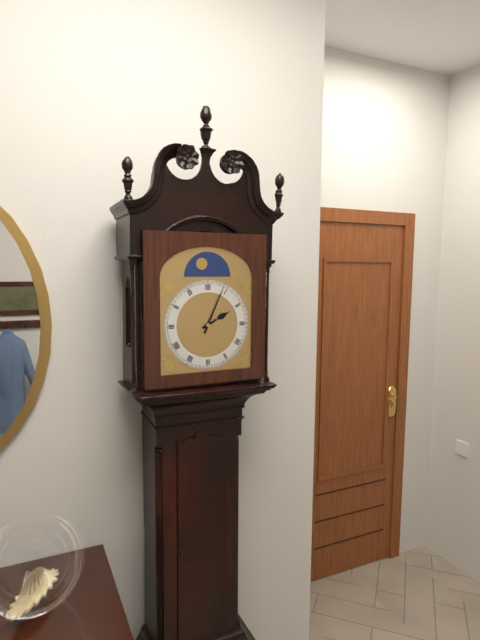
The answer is 2:04
